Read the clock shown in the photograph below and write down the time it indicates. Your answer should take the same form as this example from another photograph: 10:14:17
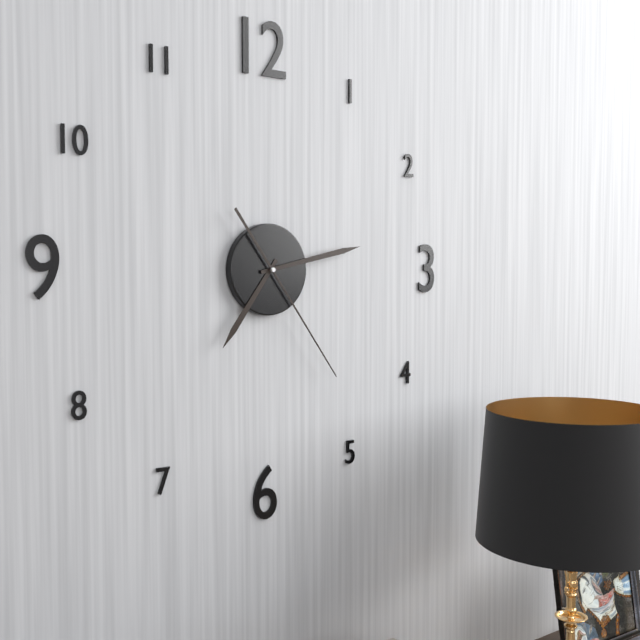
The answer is 7:13:24
